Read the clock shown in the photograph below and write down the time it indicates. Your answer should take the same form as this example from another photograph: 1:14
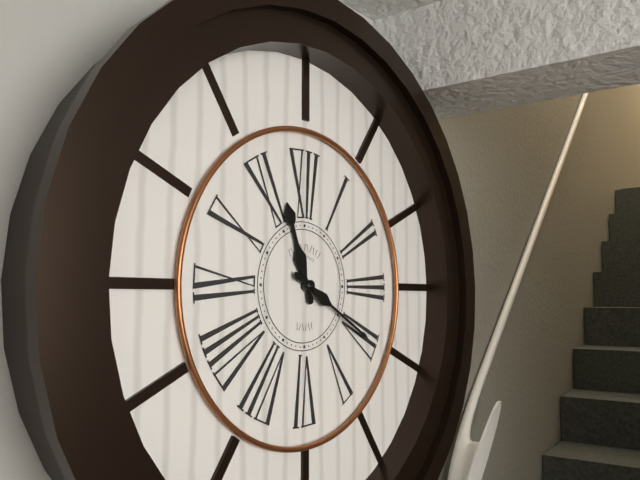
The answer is 11:20
